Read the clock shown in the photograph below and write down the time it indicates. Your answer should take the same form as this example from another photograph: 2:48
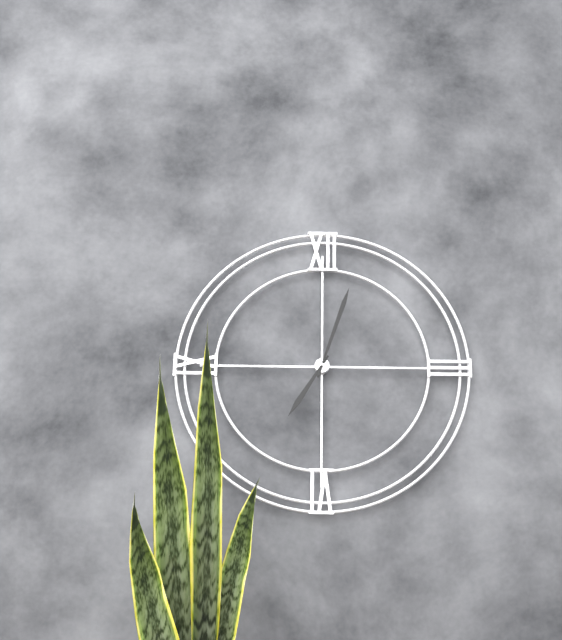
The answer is 7:03
